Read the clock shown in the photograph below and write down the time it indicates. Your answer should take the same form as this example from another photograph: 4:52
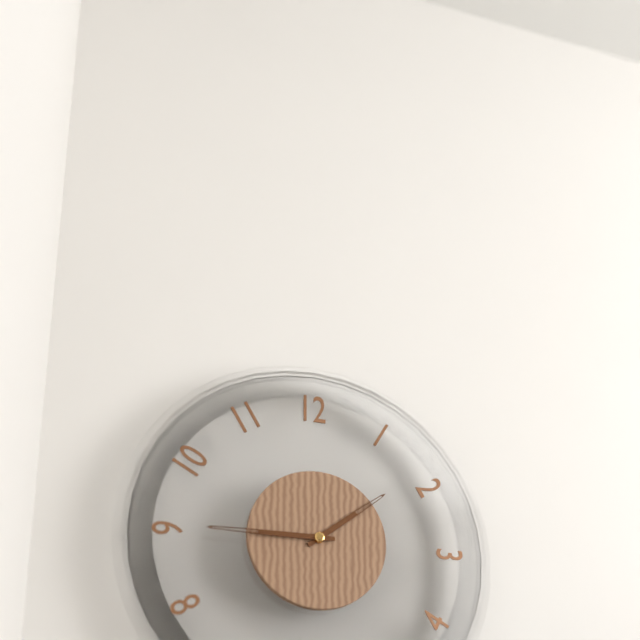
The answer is 1:45
